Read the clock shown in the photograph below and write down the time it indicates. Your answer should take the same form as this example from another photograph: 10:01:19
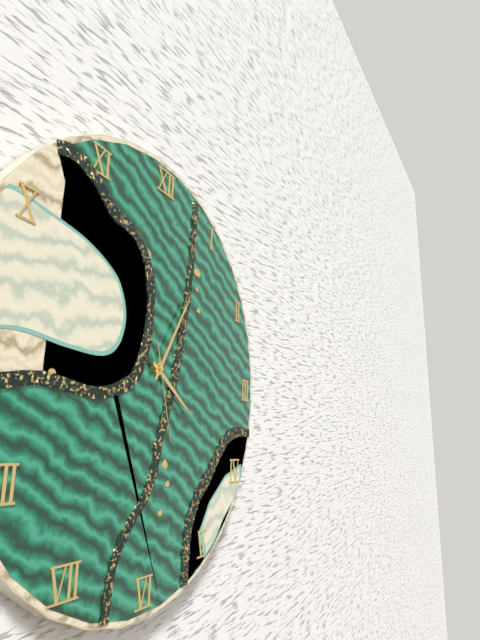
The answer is 4:05:27
